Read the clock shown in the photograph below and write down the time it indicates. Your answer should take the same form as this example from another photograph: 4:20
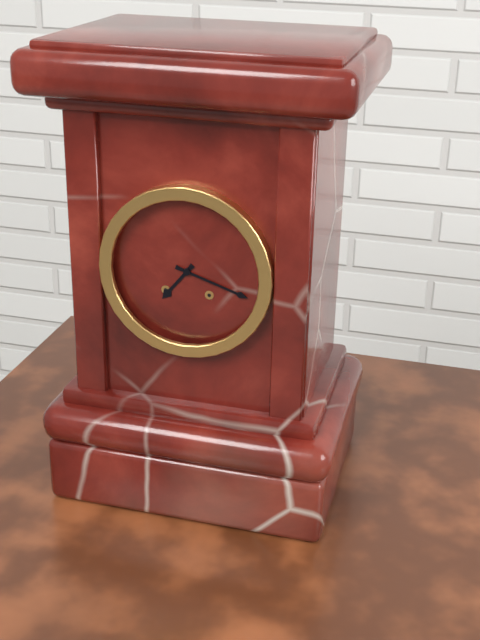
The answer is 7:18
